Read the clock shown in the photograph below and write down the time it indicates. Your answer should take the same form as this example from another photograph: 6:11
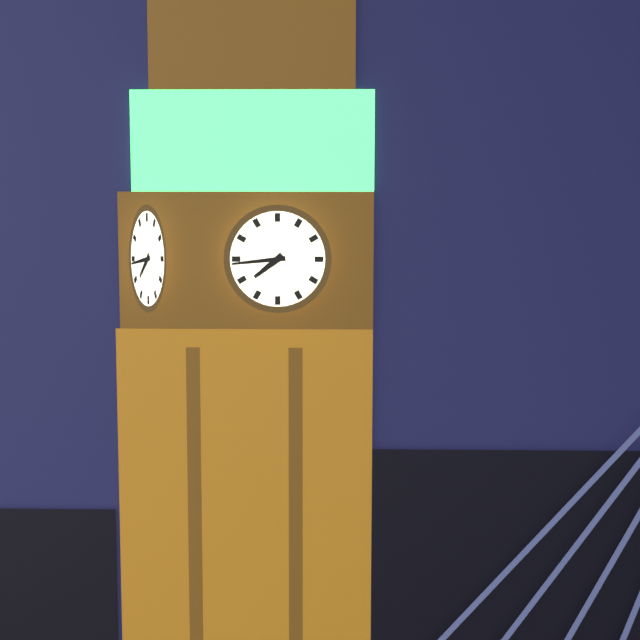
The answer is 7:44
